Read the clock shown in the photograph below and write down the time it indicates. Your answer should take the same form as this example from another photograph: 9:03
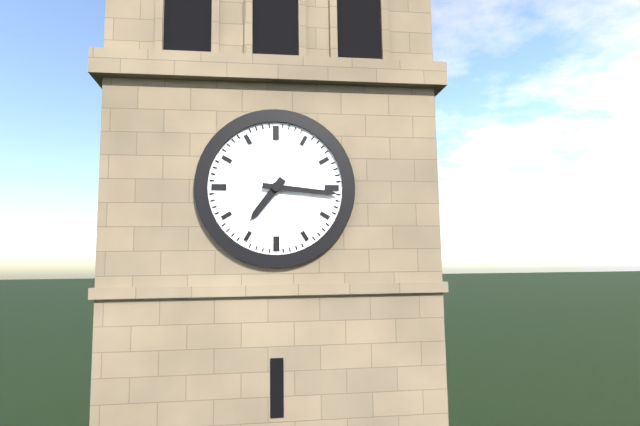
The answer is 7:16
